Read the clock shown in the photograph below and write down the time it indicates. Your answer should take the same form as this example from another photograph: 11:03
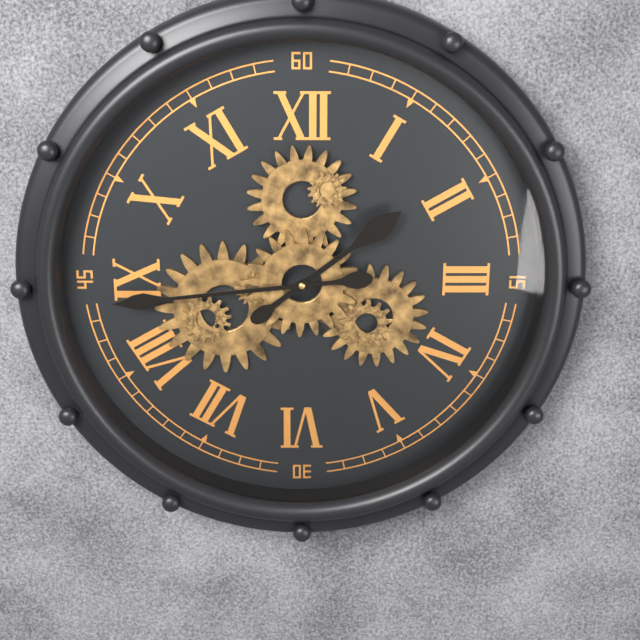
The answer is 1:44
